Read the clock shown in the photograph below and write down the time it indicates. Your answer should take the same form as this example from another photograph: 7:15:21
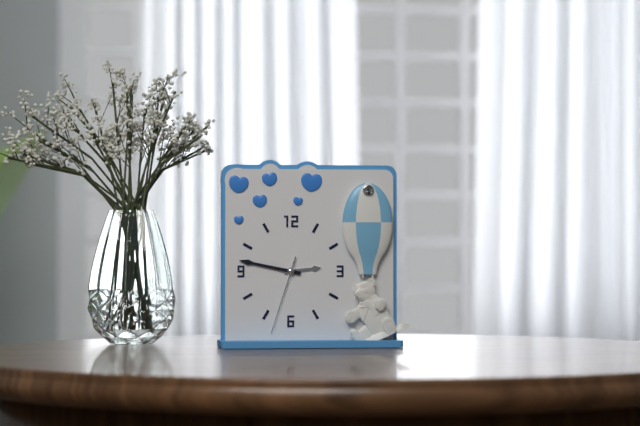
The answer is 2:47:33
